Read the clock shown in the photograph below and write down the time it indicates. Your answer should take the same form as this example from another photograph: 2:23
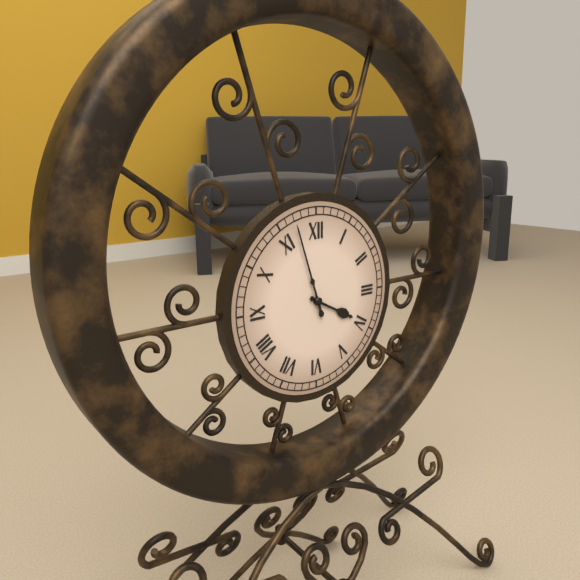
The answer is 3:57
